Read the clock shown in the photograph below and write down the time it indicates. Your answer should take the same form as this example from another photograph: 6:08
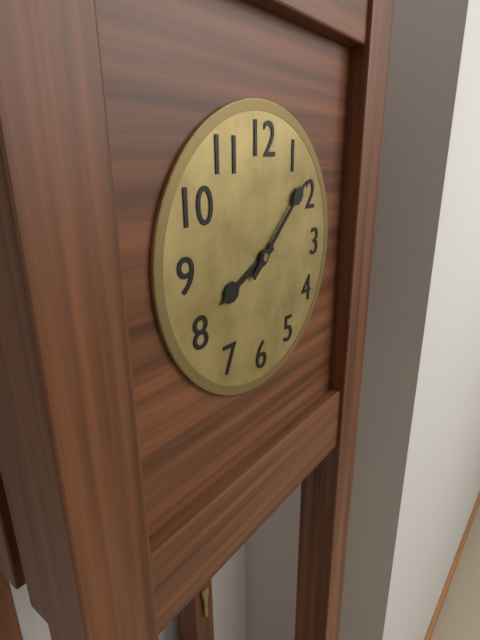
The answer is 8:08
